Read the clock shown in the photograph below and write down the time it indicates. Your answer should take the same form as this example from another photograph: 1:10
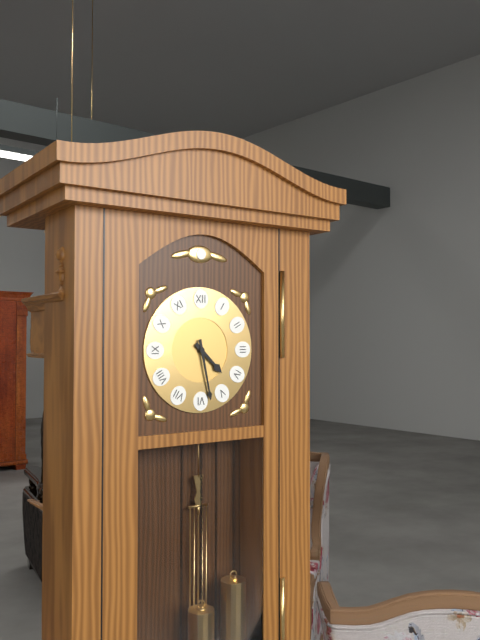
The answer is 4:28
